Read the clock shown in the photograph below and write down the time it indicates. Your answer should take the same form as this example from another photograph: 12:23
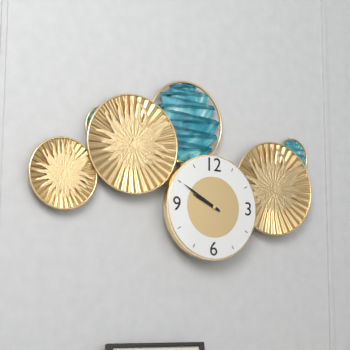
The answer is 9:50
